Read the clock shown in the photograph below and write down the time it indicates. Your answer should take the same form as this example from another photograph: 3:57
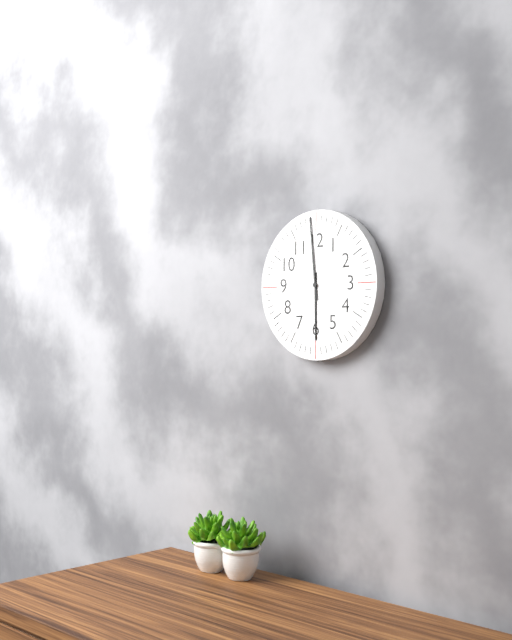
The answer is 5:59
